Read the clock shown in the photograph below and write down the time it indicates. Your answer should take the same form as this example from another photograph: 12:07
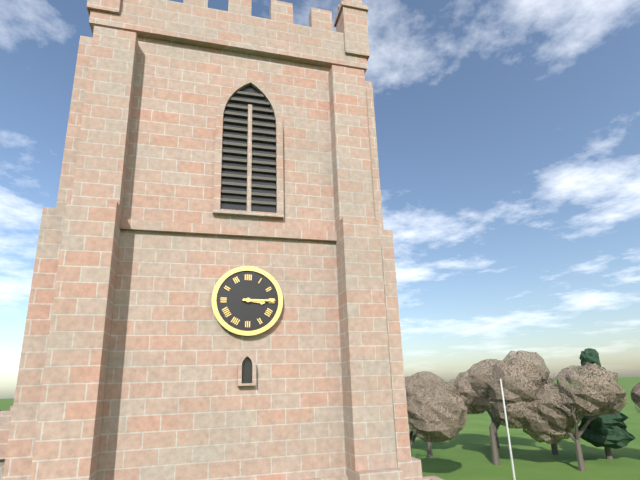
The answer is 3:15
